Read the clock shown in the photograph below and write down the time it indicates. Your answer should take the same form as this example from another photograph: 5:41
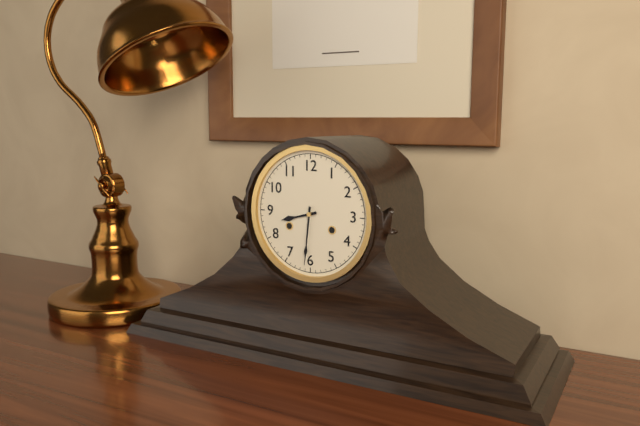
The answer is 8:31
